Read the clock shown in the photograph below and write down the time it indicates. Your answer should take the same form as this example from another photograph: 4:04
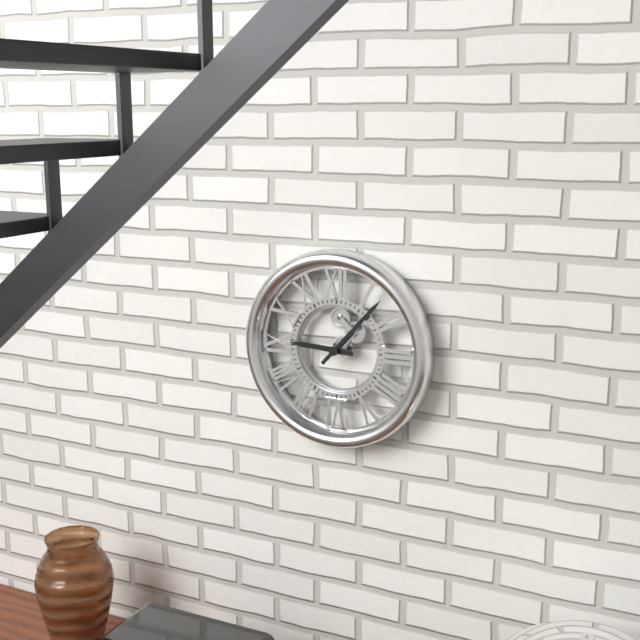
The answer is 9:07
